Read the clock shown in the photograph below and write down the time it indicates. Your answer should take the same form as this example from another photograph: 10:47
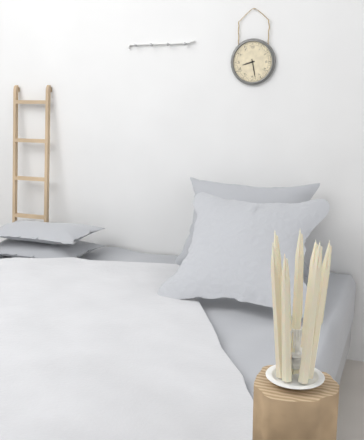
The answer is 8:28
